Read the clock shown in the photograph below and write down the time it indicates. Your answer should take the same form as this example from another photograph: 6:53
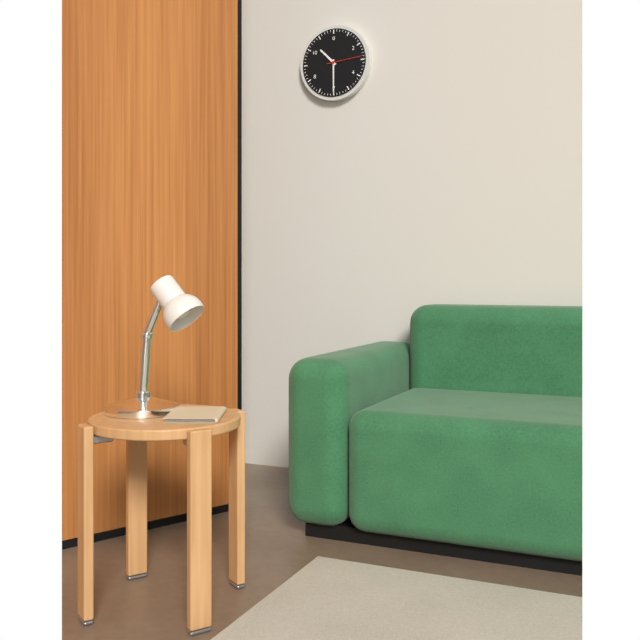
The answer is 10:30
